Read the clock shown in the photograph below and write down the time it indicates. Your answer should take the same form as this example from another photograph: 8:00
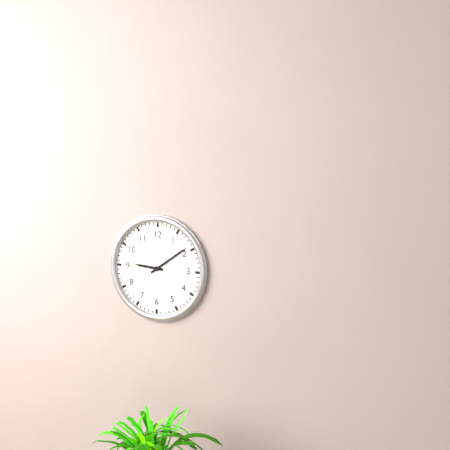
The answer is 9:09
